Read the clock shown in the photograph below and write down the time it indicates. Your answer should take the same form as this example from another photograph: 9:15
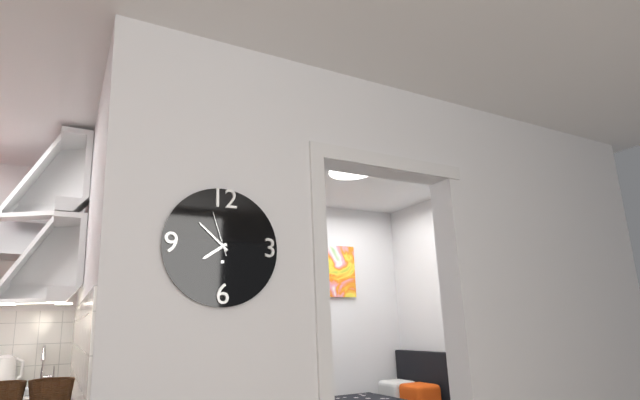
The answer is 7:52
